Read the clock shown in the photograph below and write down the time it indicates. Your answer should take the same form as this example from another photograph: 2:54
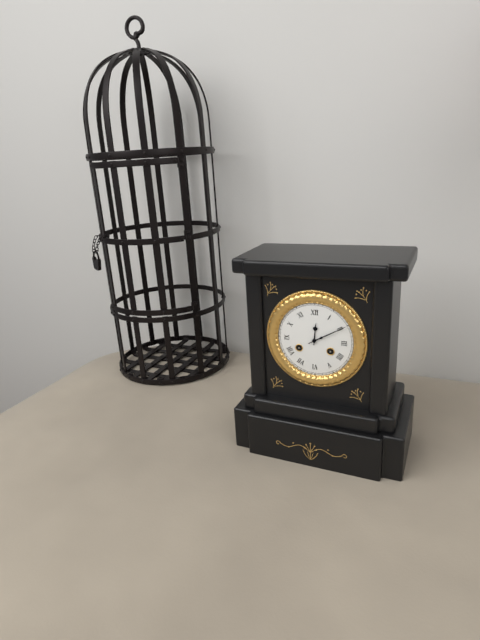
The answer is 12:10
